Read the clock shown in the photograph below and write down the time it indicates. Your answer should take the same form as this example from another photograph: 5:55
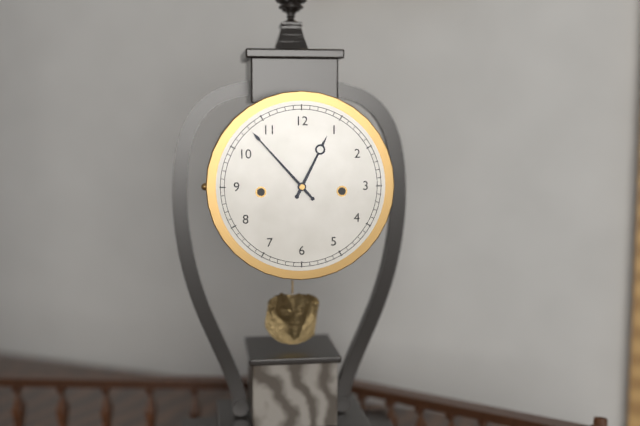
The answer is 12:53
